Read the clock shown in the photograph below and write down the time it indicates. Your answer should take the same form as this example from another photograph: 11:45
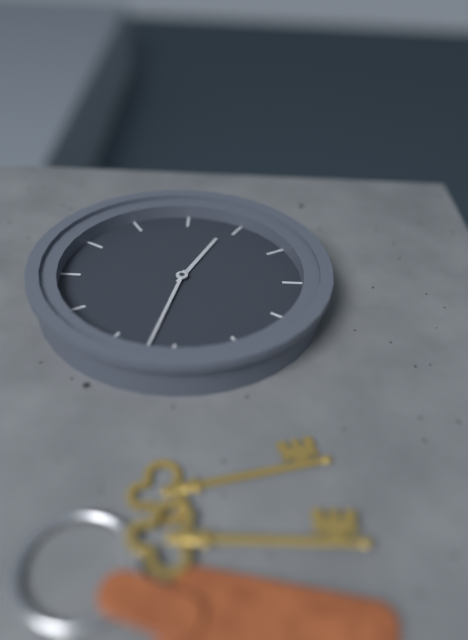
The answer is 3:47
